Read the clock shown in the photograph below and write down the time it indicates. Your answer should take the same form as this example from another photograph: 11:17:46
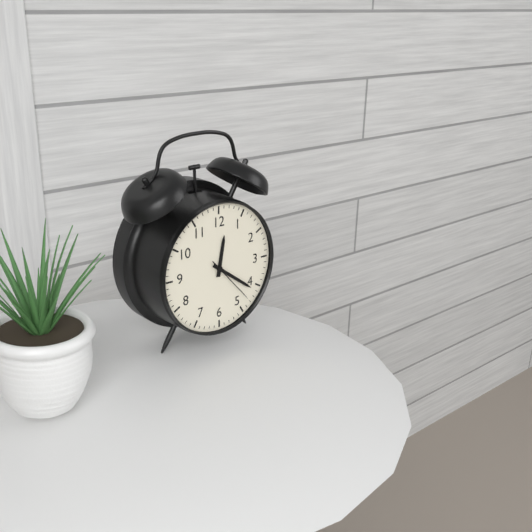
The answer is 12:21:23
